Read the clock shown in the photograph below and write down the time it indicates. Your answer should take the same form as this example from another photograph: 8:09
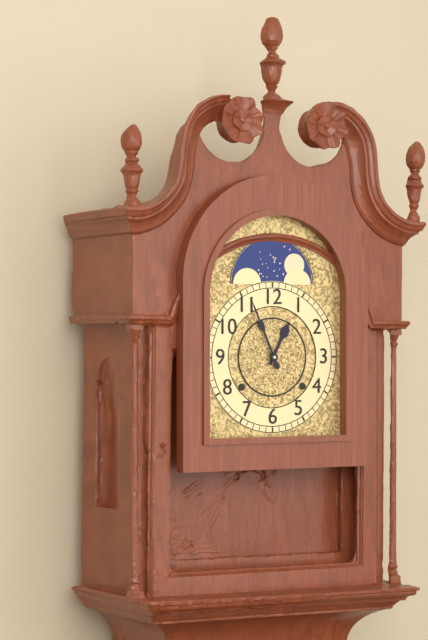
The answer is 12:56
